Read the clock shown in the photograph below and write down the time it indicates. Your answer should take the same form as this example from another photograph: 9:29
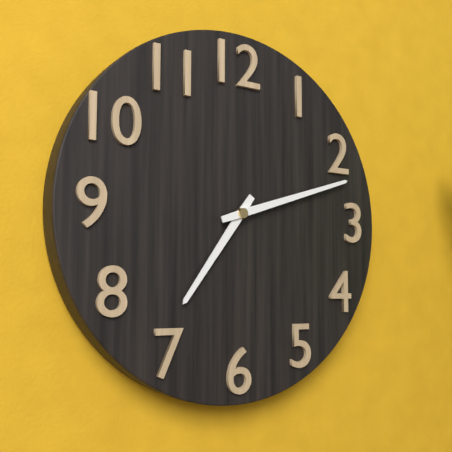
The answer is 7:12
